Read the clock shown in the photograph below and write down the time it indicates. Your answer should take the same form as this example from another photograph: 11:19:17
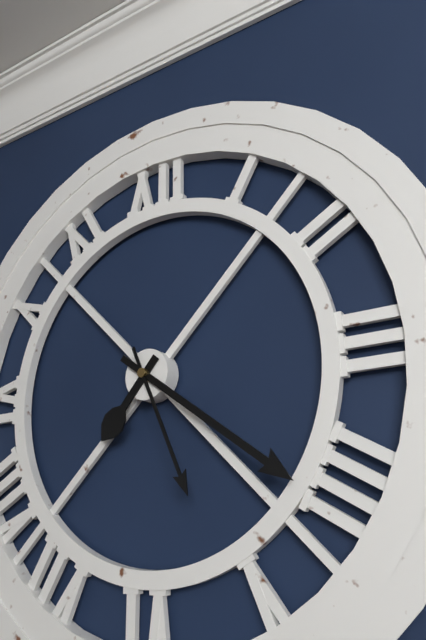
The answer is 7:21:26
